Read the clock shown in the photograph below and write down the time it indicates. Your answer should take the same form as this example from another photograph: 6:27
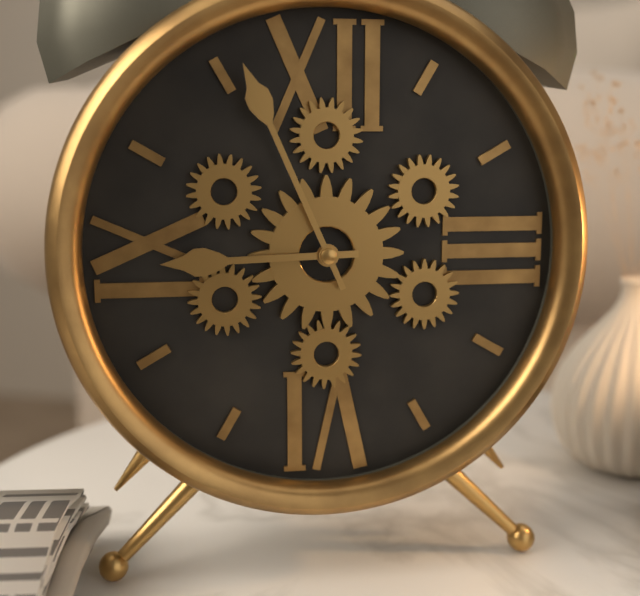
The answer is 8:56
